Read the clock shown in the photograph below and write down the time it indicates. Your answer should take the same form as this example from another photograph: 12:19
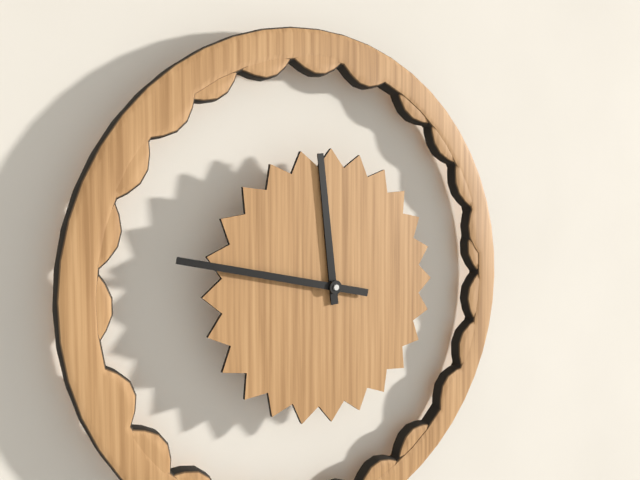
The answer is 11:47
